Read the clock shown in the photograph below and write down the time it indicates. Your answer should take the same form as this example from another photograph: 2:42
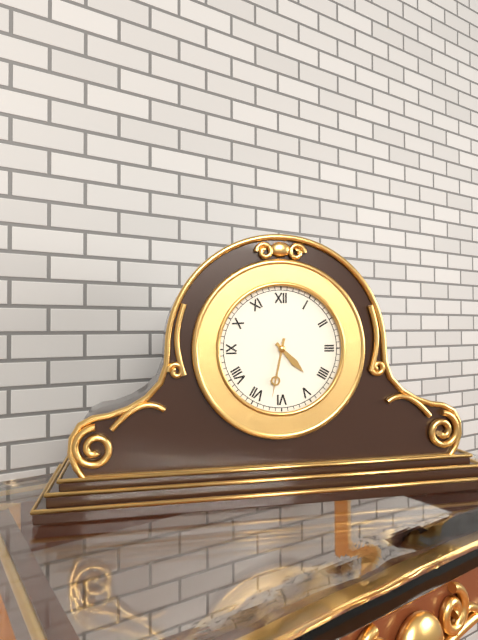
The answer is 4:32
